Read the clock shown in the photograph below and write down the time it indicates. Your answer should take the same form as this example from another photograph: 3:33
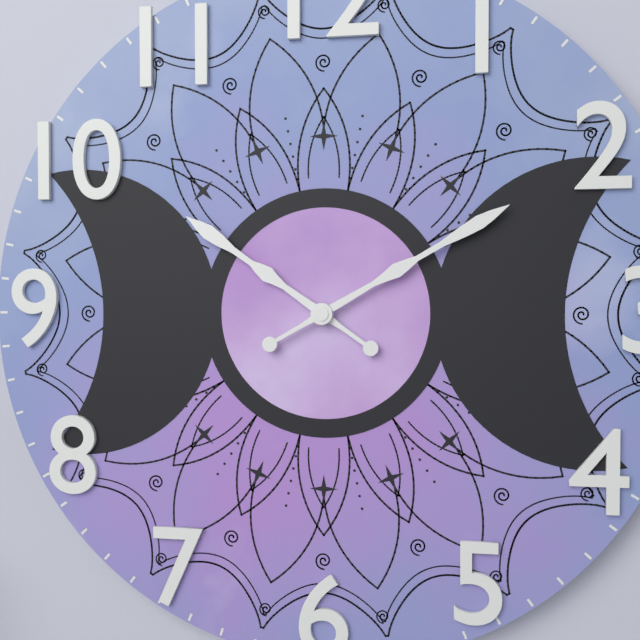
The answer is 10:10
